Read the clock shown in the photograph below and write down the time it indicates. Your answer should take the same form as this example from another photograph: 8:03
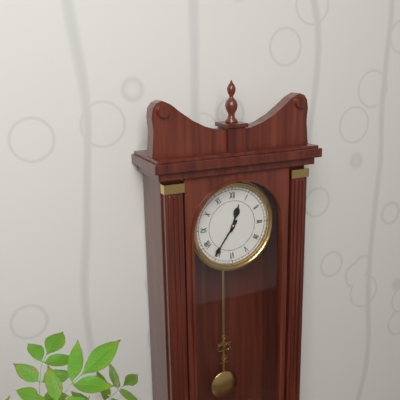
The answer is 12:36
